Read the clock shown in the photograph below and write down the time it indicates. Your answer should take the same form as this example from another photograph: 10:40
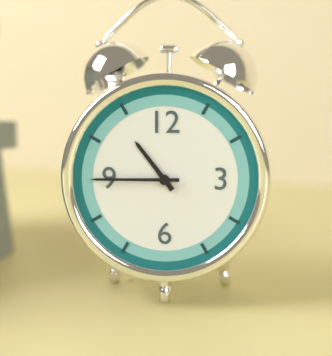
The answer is 10:45
